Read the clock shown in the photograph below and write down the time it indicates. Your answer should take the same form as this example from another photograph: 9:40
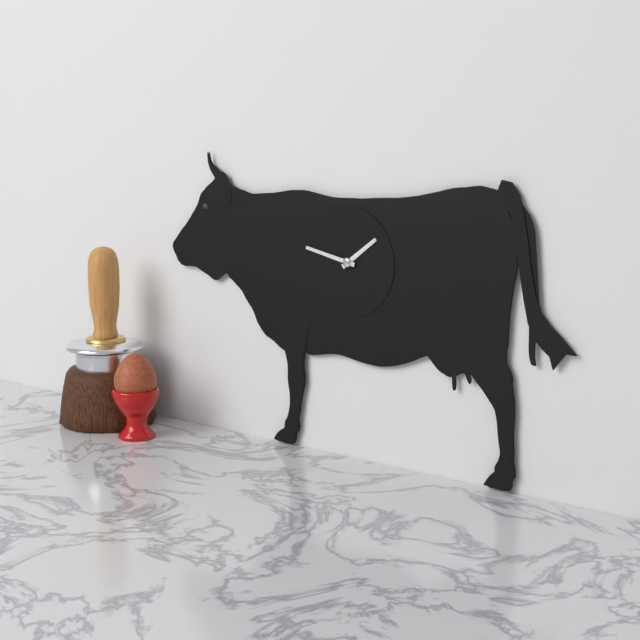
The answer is 1:47
